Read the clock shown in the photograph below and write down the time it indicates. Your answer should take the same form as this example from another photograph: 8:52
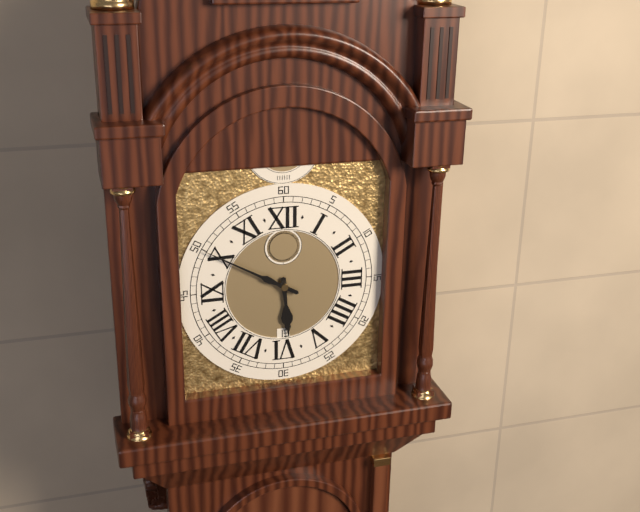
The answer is 5:50
